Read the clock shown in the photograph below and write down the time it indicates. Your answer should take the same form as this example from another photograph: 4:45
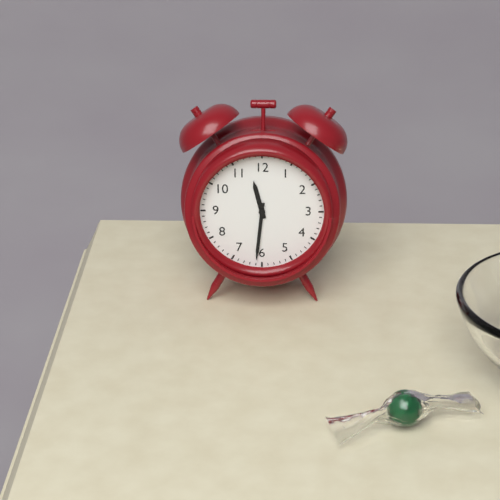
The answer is 11:31
